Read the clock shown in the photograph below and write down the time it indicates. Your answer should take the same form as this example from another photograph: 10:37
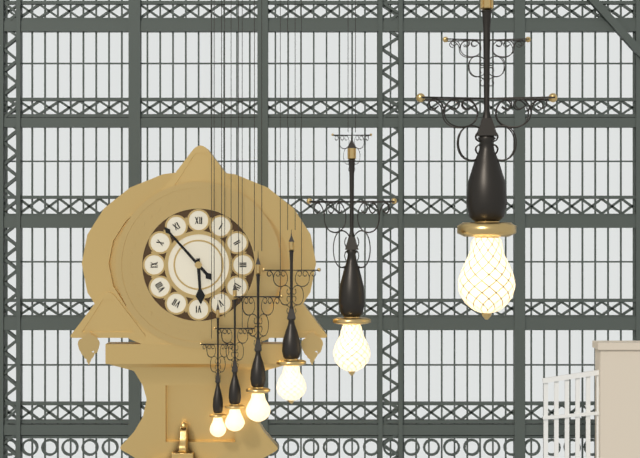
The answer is 5:53
